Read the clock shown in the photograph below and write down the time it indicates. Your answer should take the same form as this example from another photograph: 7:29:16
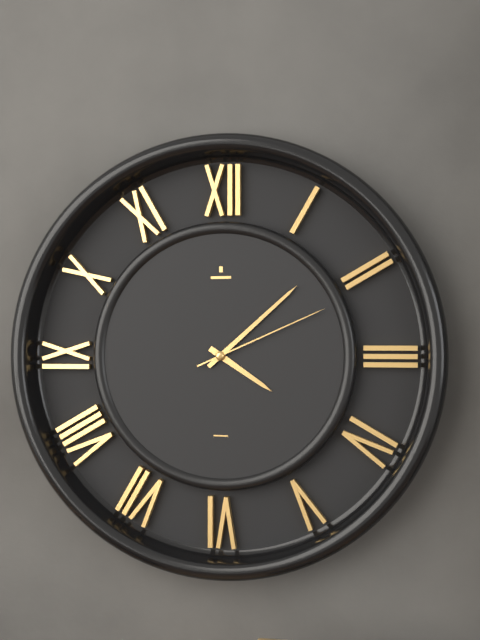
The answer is 4:08:11
